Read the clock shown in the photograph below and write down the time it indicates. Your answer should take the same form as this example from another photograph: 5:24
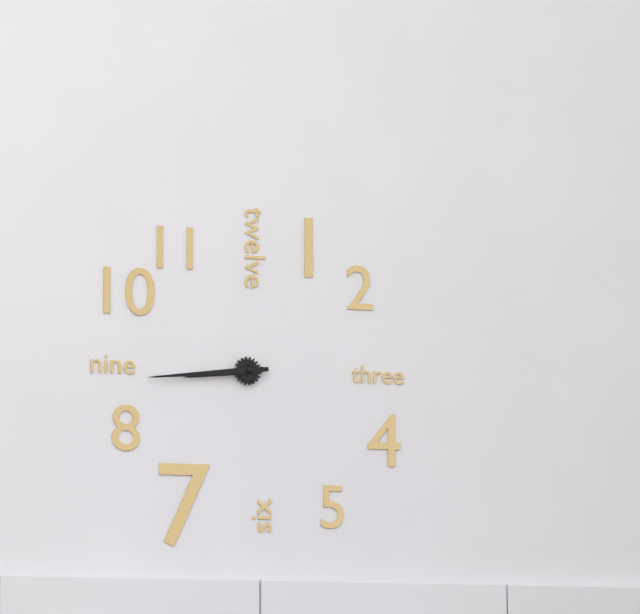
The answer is 8:44
